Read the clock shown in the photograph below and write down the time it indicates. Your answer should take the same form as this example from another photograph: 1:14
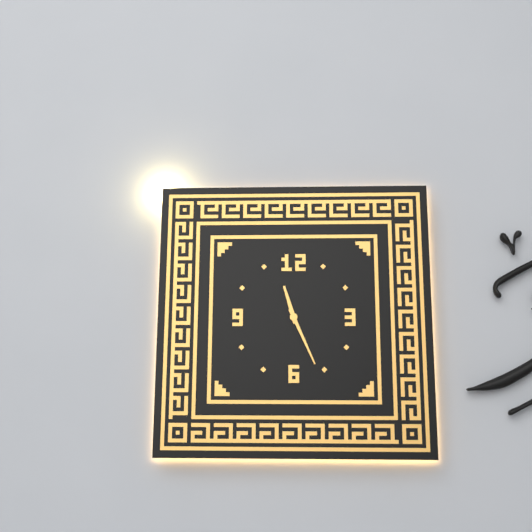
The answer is 11:26
